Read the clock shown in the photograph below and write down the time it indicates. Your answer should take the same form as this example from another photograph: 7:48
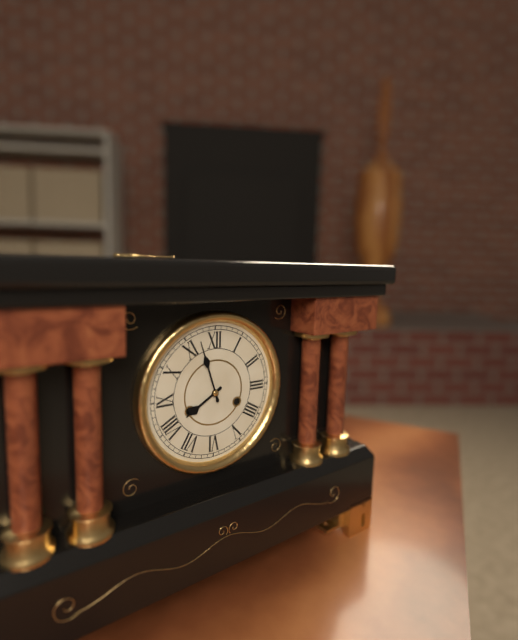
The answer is 7:57
